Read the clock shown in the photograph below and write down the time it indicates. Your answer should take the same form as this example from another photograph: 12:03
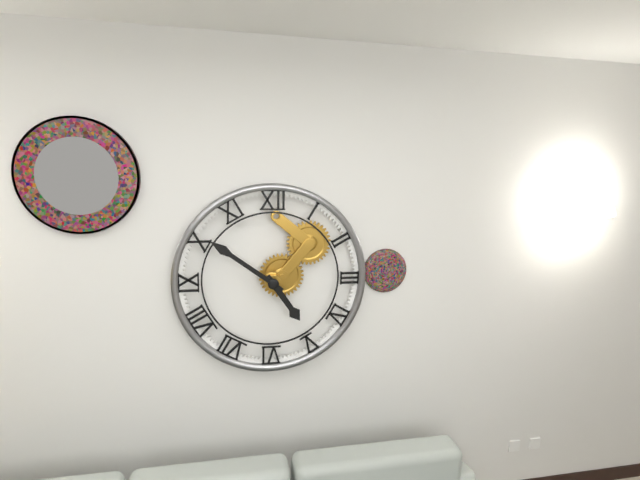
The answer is 4:51
